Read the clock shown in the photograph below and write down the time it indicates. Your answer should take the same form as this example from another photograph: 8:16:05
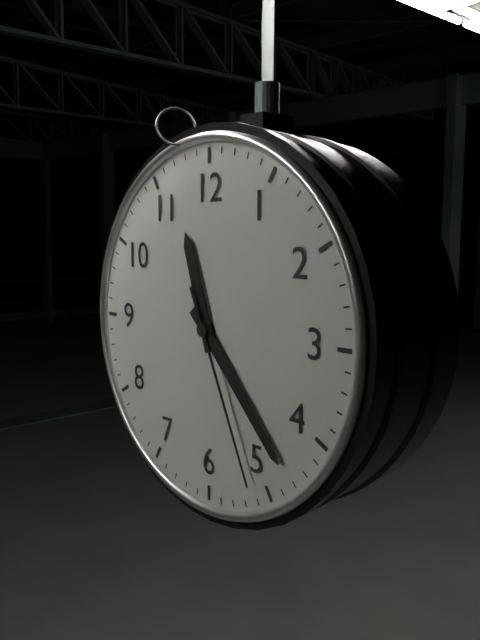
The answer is 11:23:26
